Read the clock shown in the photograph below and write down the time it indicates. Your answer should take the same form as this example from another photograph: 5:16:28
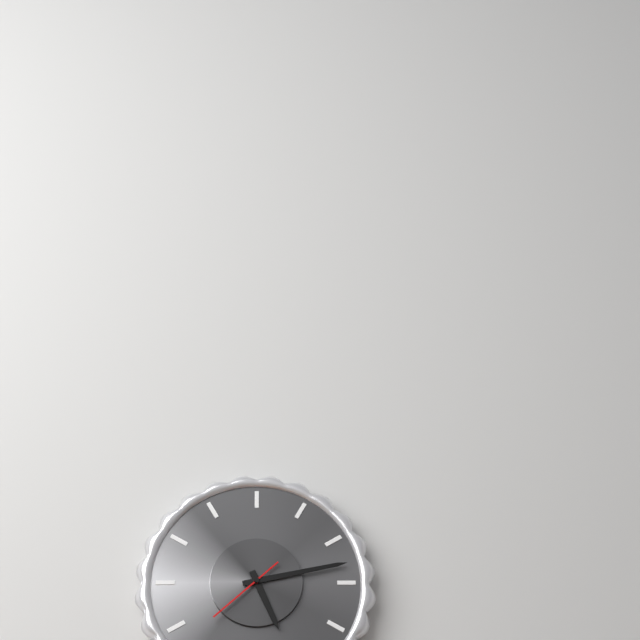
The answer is 5:13:38
